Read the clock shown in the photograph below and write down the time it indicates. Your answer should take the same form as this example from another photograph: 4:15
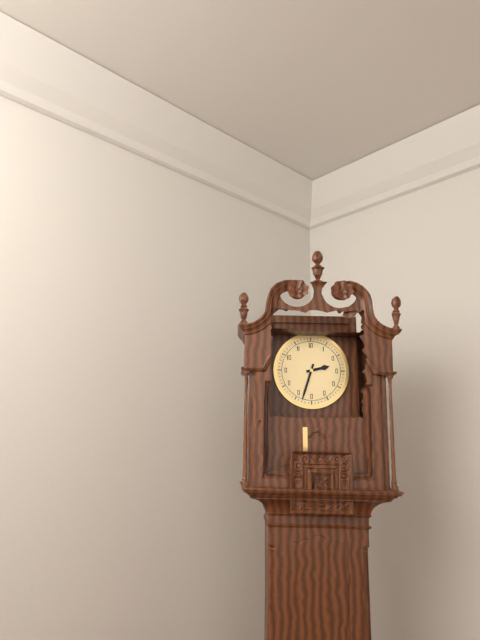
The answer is 2:33
